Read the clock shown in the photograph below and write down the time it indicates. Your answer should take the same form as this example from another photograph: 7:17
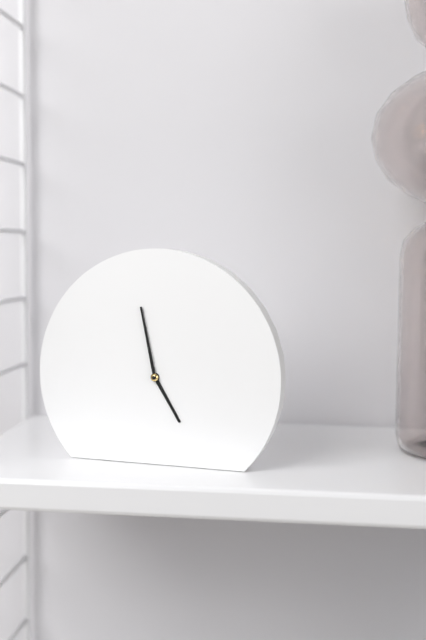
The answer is 4:58
